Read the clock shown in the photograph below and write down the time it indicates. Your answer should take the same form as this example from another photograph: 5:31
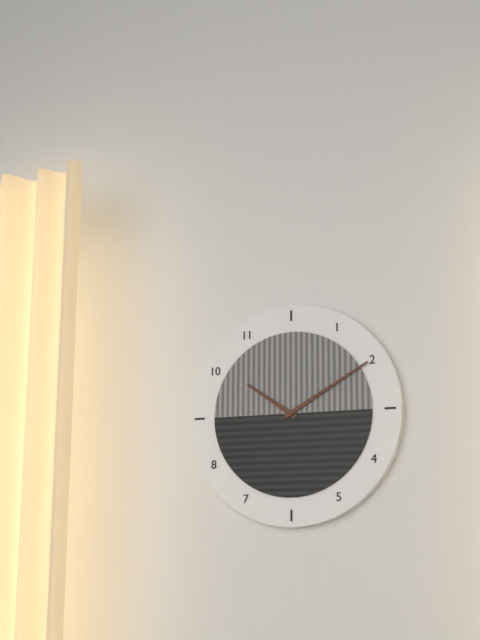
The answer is 10:10
